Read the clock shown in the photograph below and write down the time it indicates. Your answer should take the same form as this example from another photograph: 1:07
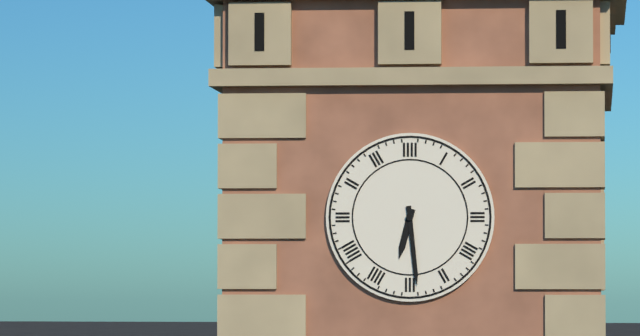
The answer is 6:29
